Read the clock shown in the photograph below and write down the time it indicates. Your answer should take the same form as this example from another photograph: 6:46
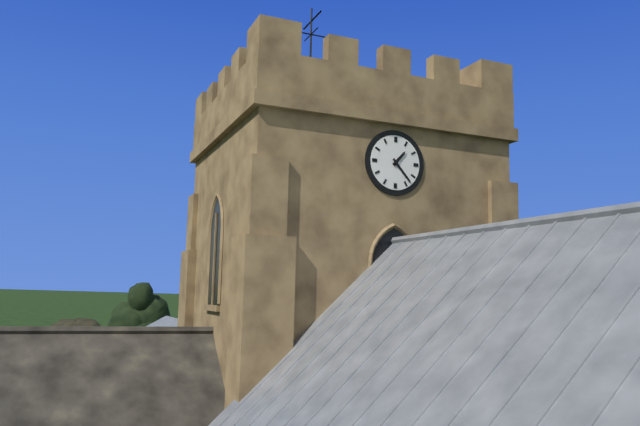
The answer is 1:23
